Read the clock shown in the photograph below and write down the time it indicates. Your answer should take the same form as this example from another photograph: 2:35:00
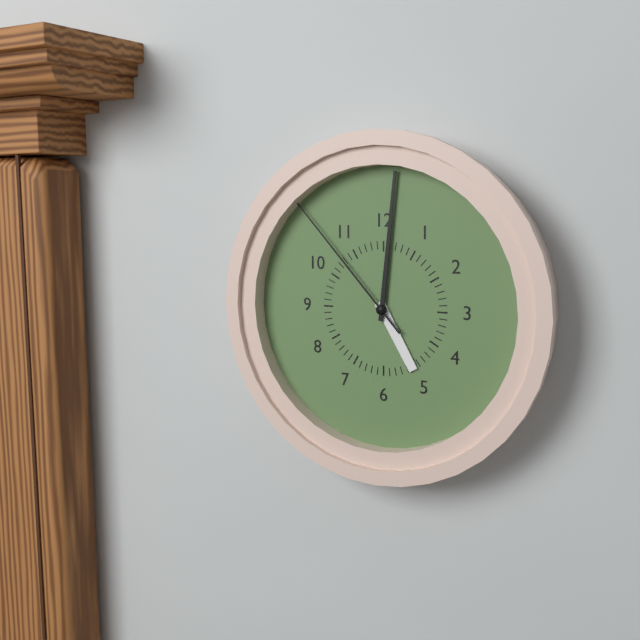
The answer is 5:01:53
